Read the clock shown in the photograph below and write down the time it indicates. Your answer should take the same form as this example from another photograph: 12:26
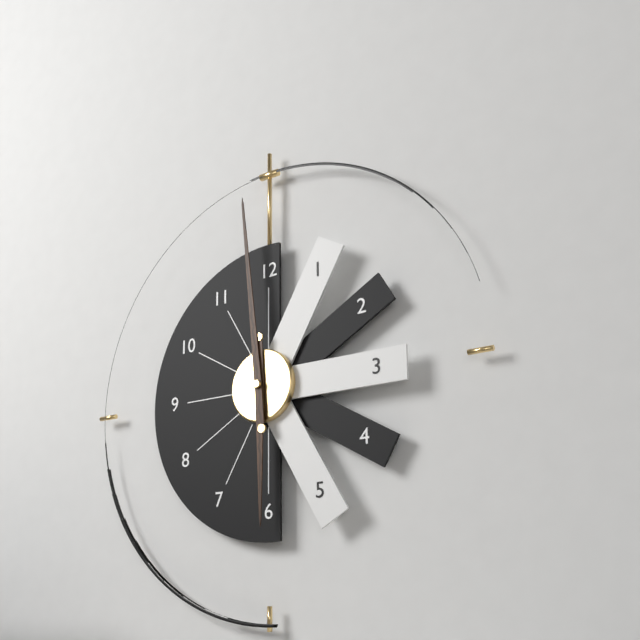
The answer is 5:59
